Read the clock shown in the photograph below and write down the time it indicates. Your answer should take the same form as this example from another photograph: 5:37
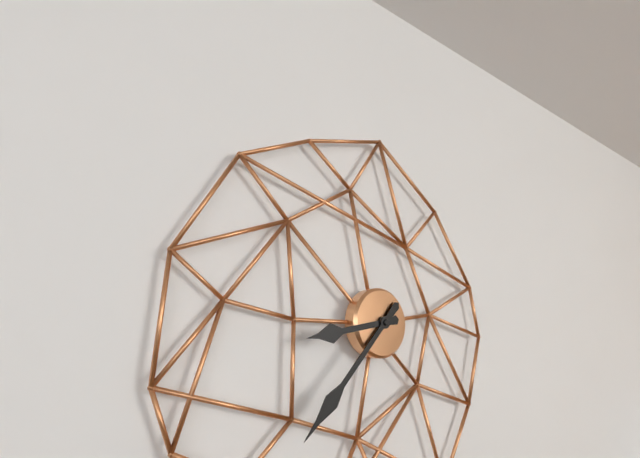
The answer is 8:37
